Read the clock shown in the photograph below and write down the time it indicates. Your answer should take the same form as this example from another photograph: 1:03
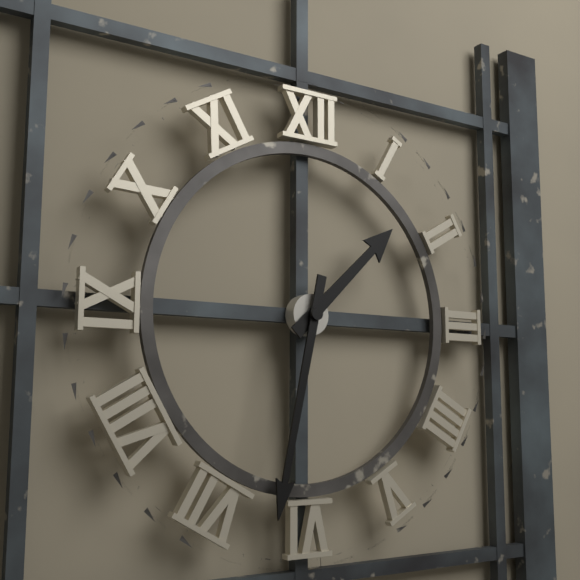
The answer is 1:32
